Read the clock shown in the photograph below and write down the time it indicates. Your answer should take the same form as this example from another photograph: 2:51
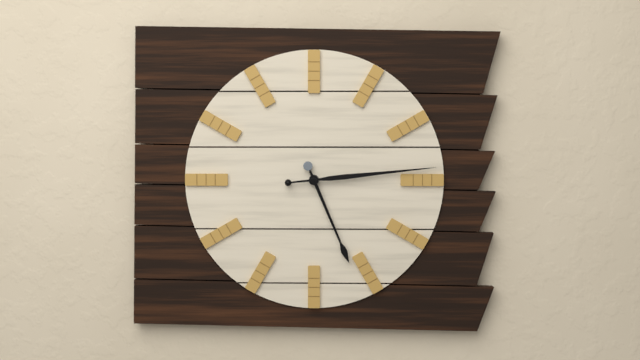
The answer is 5:14
